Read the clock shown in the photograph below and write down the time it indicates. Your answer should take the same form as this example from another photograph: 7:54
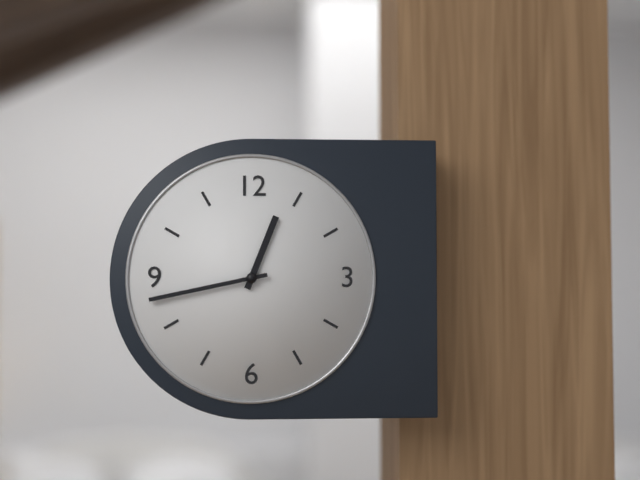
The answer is 12:43
